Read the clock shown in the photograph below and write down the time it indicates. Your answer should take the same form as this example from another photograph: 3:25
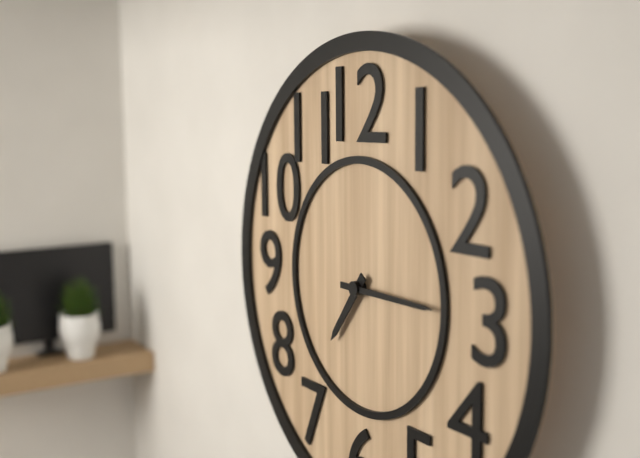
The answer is 7:15
